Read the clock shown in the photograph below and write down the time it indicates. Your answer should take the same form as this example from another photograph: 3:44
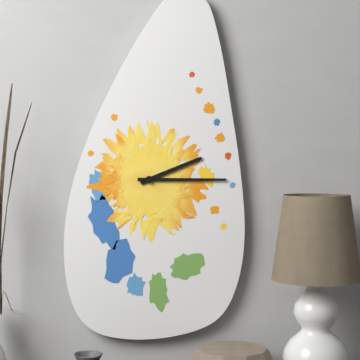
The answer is 2:15
